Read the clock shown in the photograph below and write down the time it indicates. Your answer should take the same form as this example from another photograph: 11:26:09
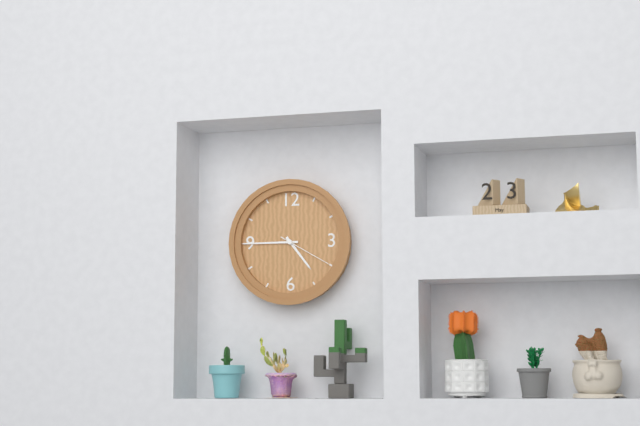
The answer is 4:45:20
